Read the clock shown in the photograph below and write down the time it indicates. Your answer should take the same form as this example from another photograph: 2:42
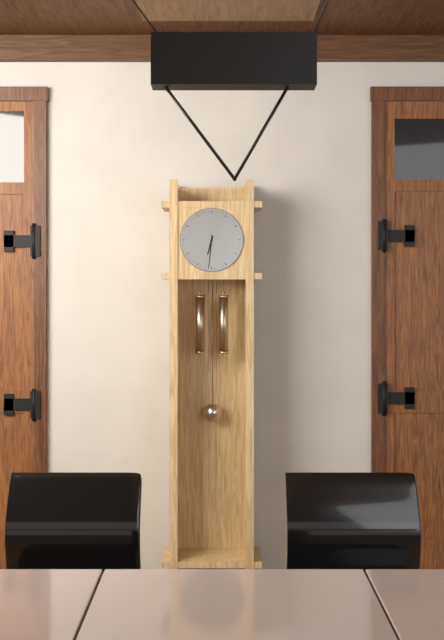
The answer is 6:31
